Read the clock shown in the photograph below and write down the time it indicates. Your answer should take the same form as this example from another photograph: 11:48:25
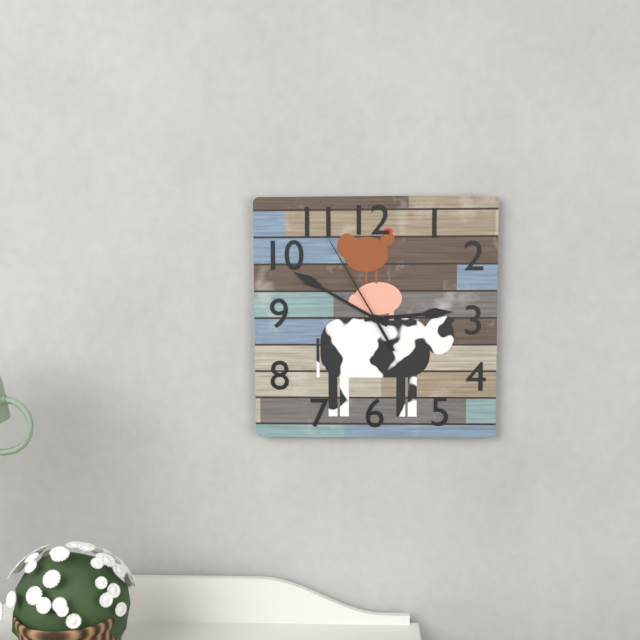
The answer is 2:50:55
